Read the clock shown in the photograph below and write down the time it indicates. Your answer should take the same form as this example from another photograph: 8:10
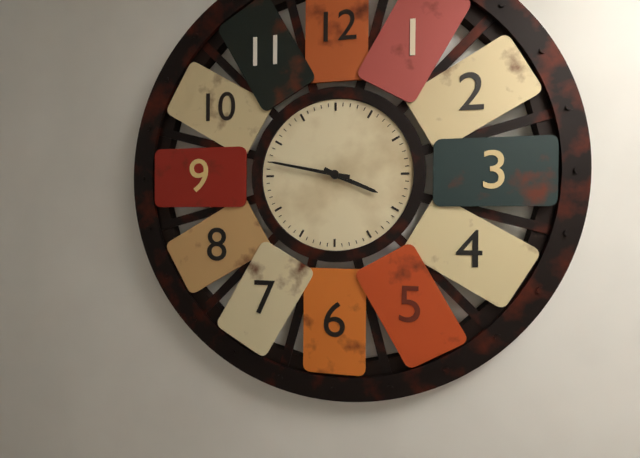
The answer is 3:47
